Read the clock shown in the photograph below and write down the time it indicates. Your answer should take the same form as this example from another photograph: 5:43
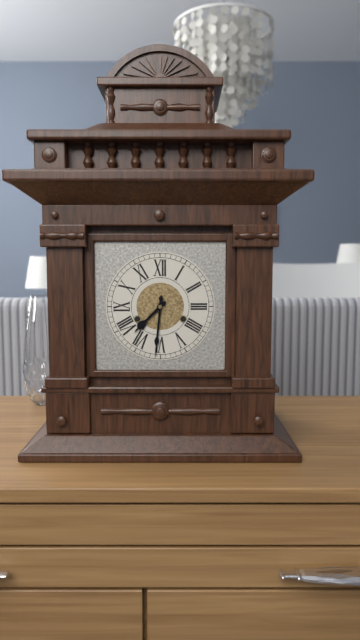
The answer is 7:31
